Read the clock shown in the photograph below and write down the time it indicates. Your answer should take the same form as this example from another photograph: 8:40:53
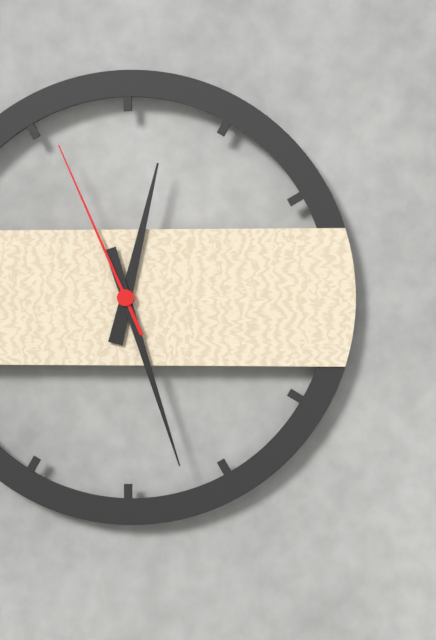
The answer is 12:27:56
